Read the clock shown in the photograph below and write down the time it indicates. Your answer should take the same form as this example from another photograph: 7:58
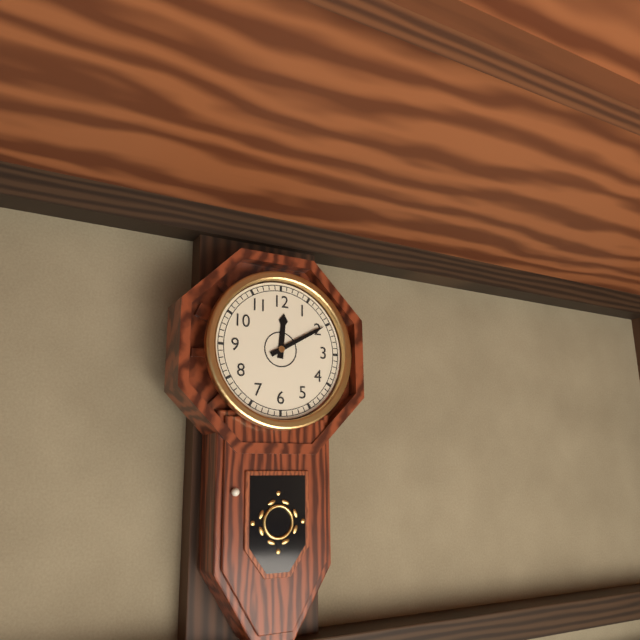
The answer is 12:10
